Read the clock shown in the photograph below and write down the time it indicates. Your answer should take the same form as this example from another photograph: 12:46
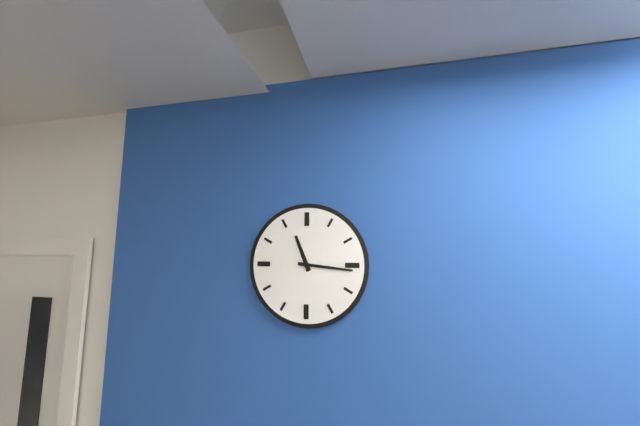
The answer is 11:16
